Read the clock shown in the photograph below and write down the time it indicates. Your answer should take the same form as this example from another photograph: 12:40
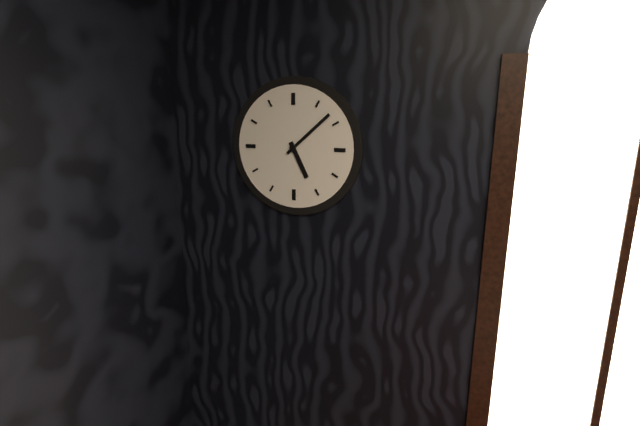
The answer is 5:08
